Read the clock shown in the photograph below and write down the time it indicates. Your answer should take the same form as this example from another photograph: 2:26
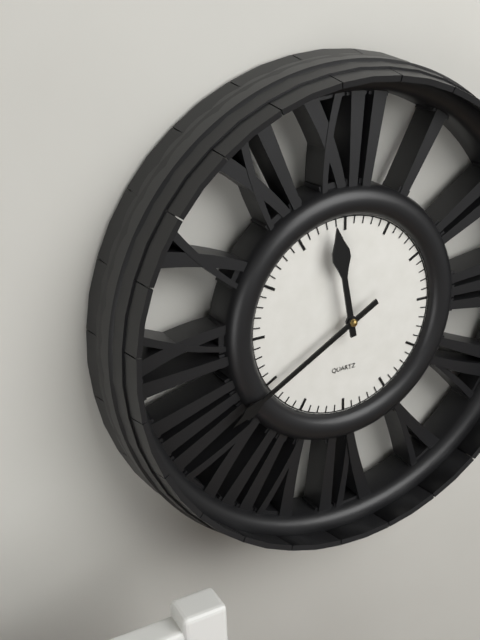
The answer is 11:40
